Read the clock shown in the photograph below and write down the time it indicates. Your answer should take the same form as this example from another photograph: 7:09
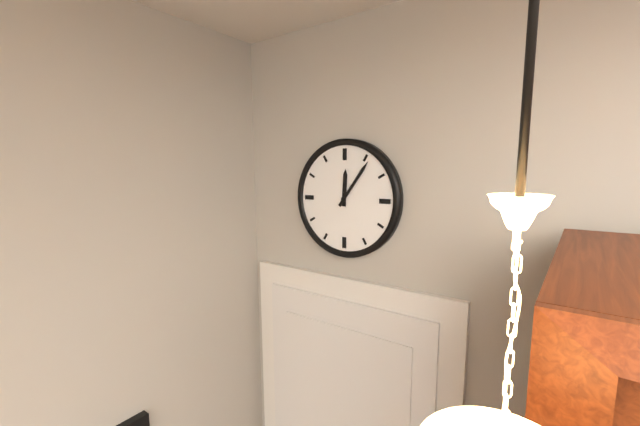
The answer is 12:06
